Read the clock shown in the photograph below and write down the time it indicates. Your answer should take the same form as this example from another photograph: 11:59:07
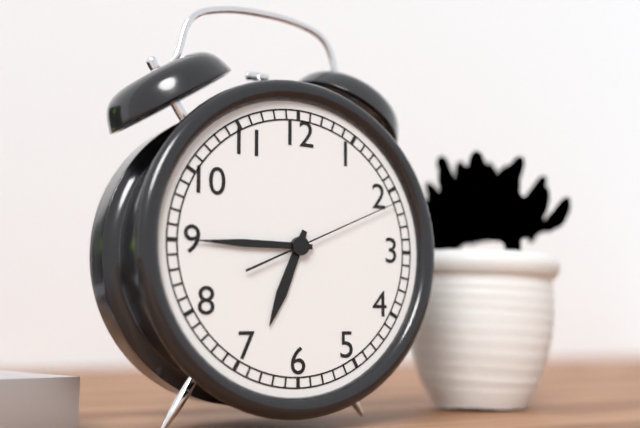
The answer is 6:45:11
